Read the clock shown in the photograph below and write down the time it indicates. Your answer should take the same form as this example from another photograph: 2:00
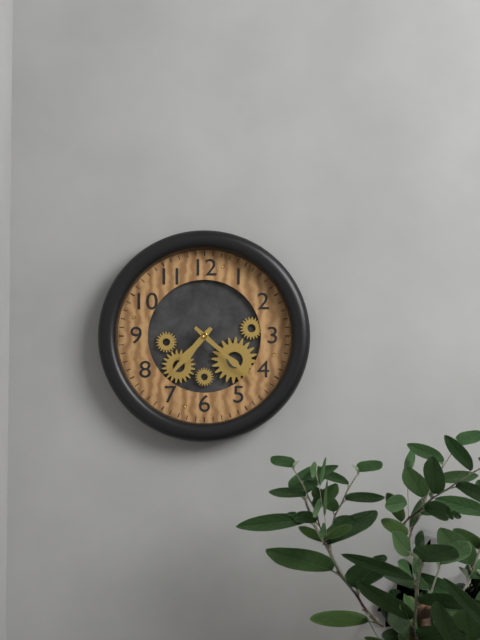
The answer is 7:22
